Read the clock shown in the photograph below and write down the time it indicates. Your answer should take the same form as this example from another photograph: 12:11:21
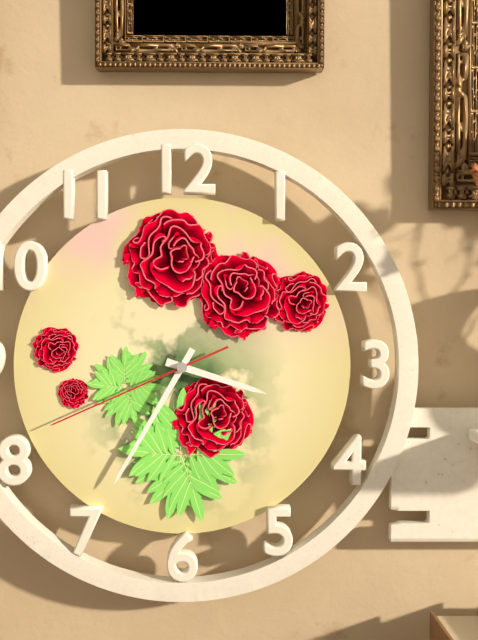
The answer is 3:35:41
